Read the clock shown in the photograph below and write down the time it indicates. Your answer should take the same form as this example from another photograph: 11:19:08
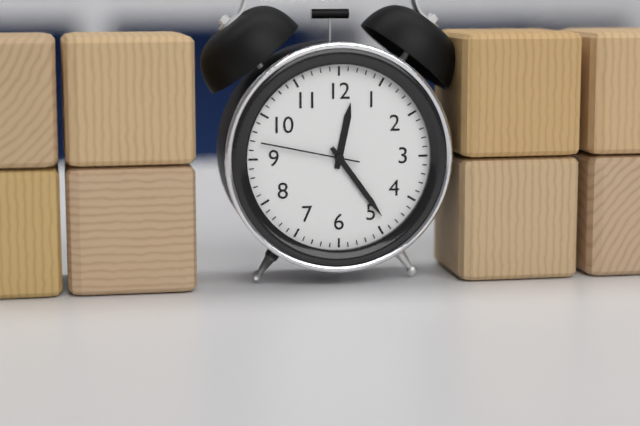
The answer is 12:24:47
